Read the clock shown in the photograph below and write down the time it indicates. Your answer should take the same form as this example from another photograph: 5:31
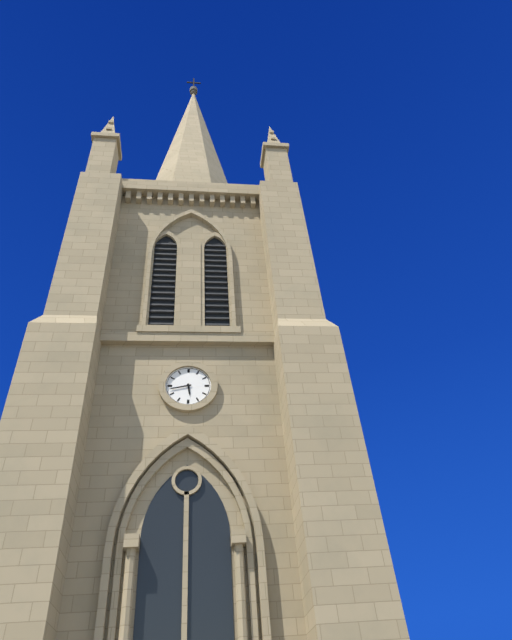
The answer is 5:43
